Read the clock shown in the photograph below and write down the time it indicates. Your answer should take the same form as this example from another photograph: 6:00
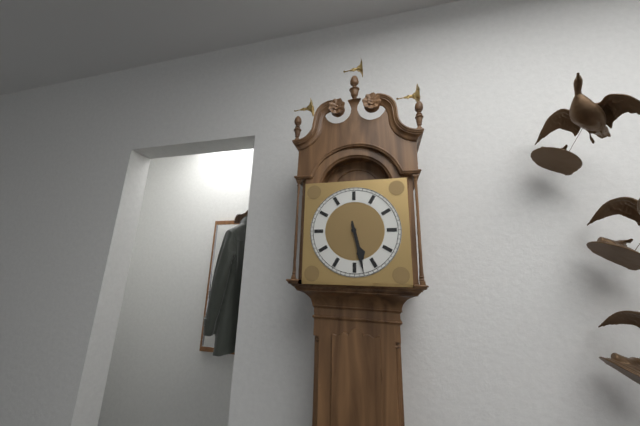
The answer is 5:28
